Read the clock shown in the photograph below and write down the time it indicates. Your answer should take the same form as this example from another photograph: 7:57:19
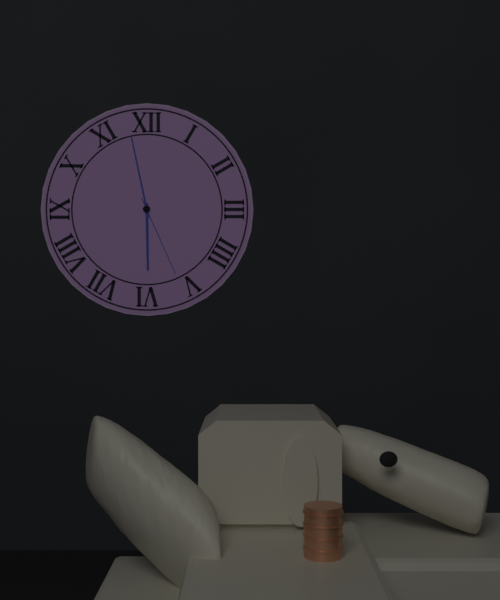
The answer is 5:58:26
